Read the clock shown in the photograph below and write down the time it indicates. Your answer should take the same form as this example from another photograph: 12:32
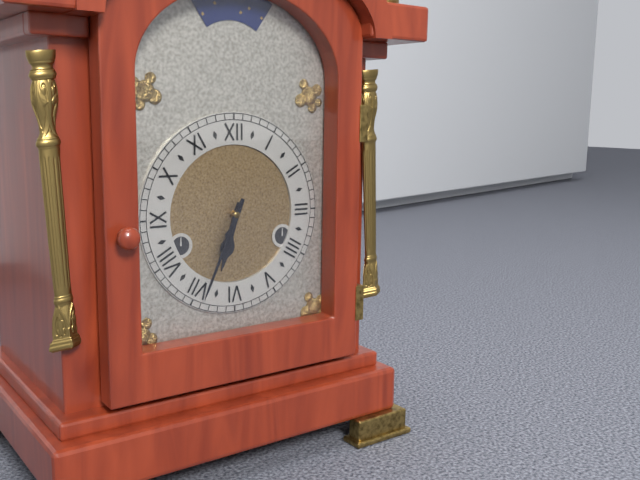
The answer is 6:34
